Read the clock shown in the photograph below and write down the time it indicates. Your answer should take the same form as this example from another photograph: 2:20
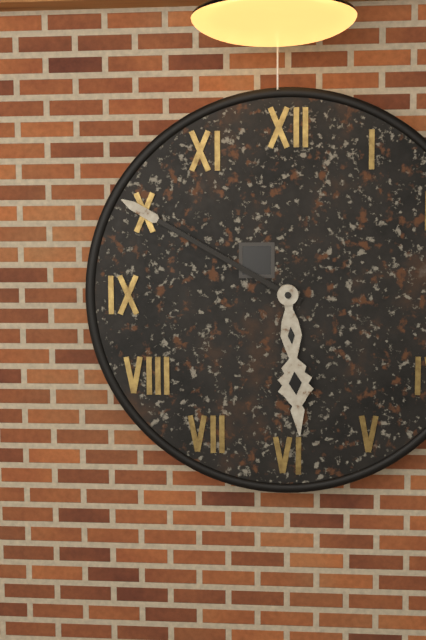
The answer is 5:50
